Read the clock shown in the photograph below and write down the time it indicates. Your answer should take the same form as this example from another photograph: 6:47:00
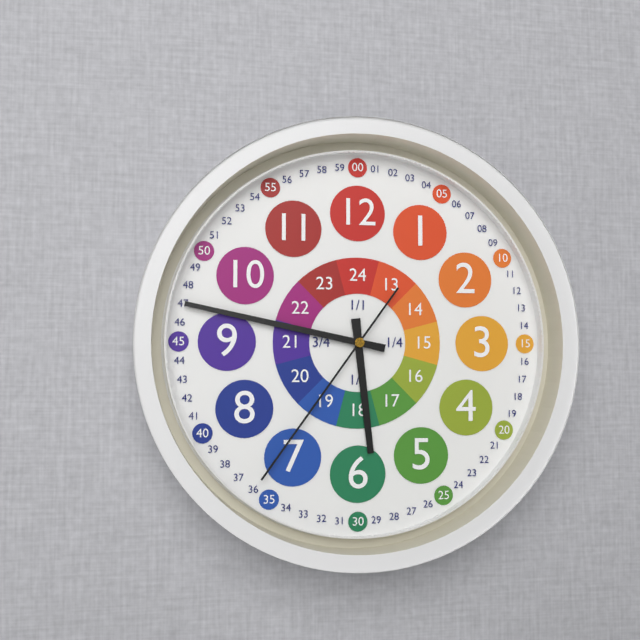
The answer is 5:47:36
